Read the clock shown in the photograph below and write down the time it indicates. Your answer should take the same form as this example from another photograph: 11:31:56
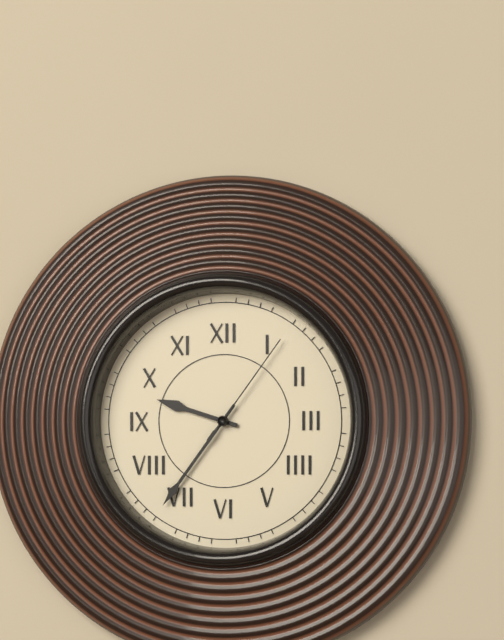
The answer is 9:36:06
